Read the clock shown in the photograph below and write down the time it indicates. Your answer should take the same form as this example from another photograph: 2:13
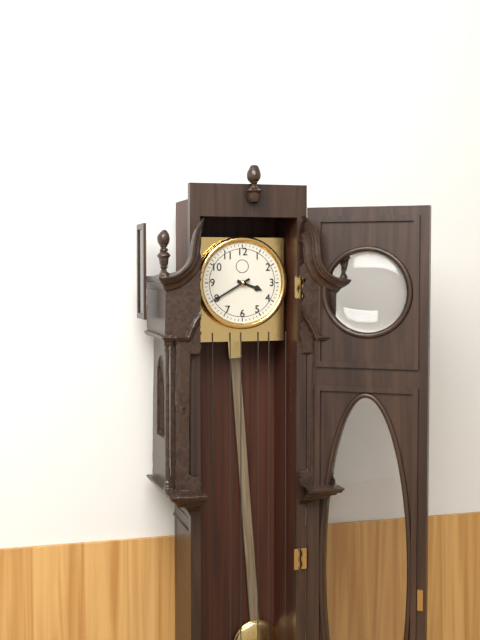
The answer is 3:40
